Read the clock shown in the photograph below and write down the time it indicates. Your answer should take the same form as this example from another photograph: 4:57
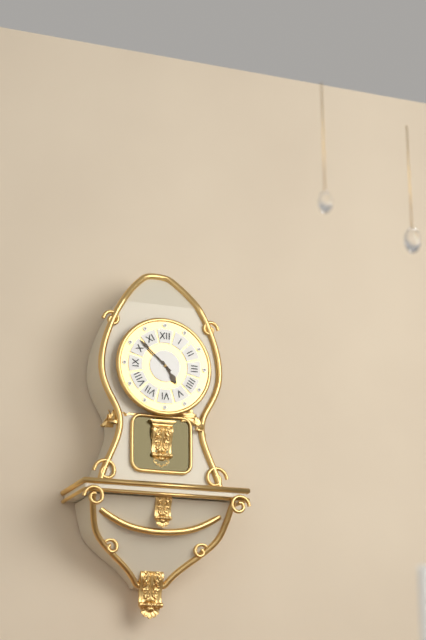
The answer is 4:52
